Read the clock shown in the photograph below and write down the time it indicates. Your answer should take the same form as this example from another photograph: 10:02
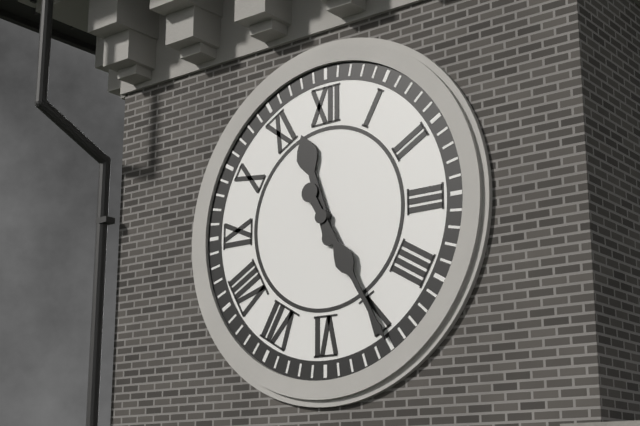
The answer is 11:25
